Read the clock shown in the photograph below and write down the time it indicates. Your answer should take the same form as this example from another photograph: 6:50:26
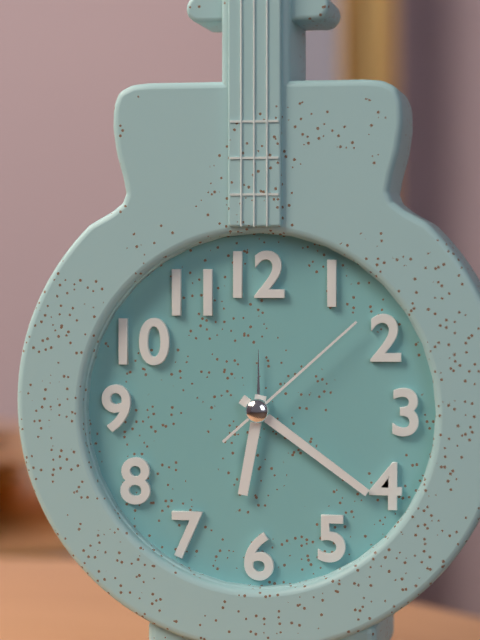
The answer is 6:21:08
